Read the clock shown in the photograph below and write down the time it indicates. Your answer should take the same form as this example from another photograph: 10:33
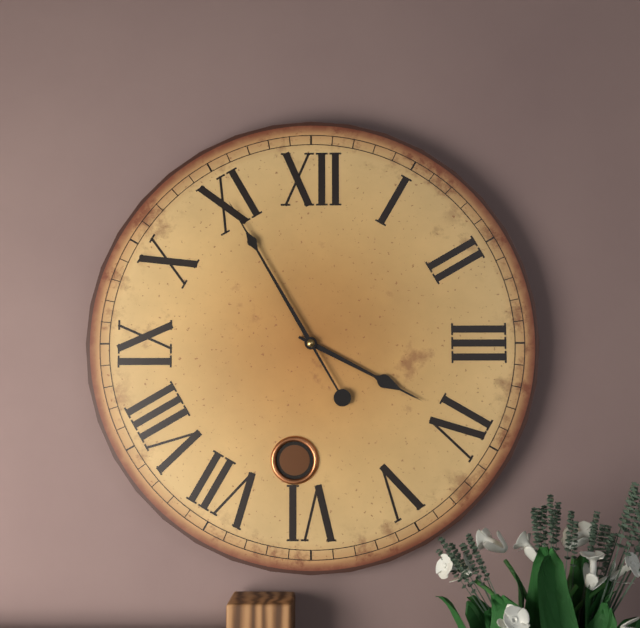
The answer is 3:55
